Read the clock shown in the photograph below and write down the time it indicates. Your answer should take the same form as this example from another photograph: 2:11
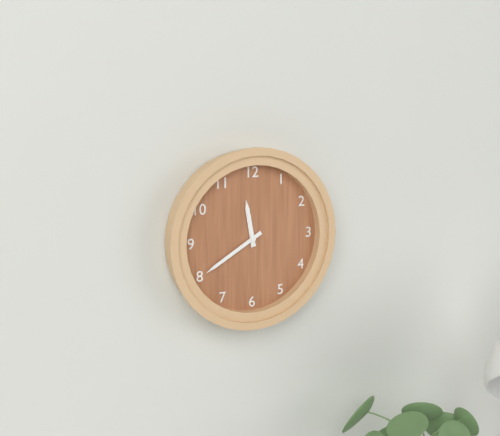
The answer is 11:40
